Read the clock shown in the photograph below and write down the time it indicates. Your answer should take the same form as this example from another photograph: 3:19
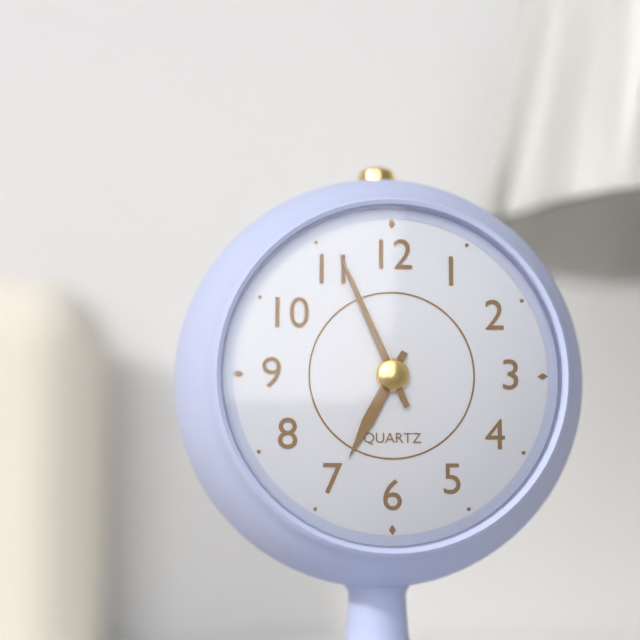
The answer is 6:56
